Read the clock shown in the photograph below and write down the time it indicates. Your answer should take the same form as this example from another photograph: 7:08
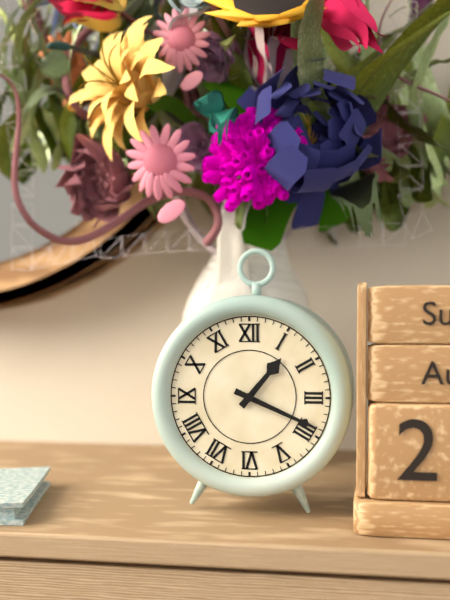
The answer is 1:19
